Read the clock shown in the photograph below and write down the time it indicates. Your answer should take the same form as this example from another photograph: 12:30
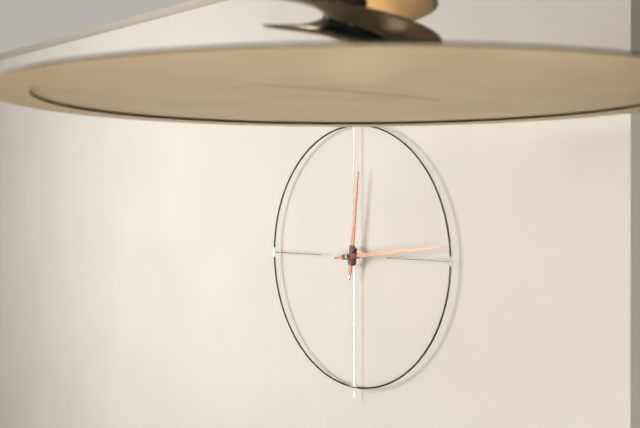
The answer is 12:14
